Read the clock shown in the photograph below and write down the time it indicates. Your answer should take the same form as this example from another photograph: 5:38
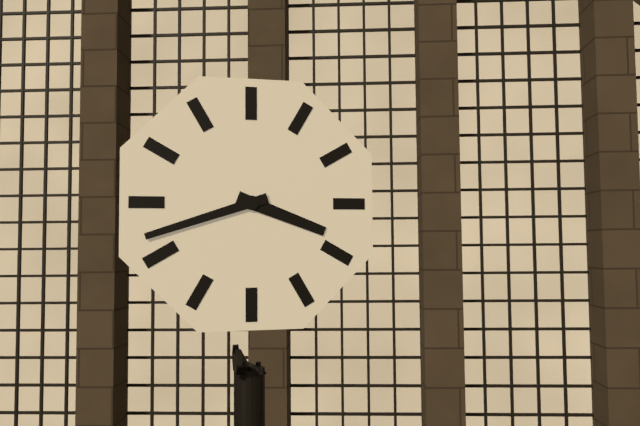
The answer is 3:42
